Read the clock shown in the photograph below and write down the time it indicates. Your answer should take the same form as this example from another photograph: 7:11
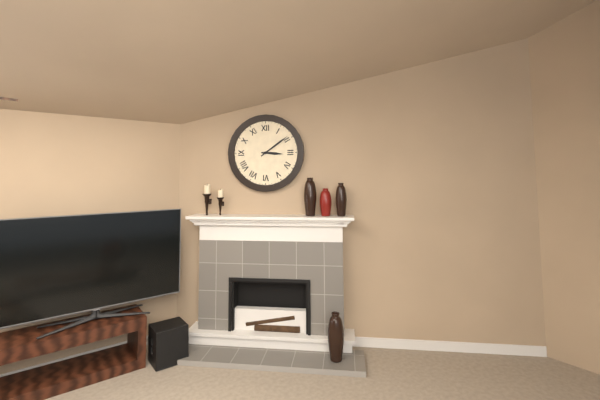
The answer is 3:09
